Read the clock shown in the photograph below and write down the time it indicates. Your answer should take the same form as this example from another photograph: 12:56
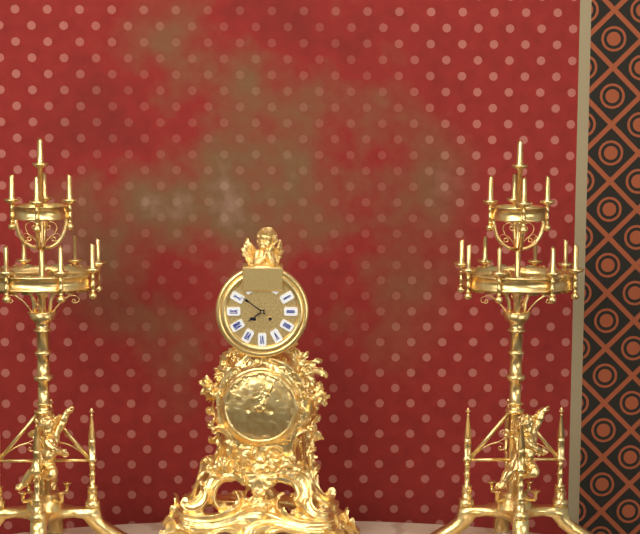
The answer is 7:51
